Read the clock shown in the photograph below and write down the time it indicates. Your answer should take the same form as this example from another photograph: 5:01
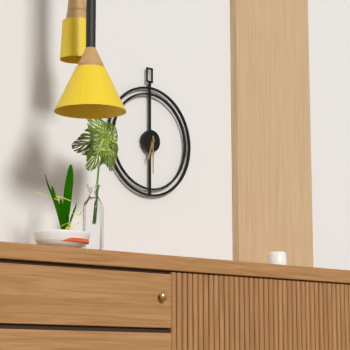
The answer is 6:30
